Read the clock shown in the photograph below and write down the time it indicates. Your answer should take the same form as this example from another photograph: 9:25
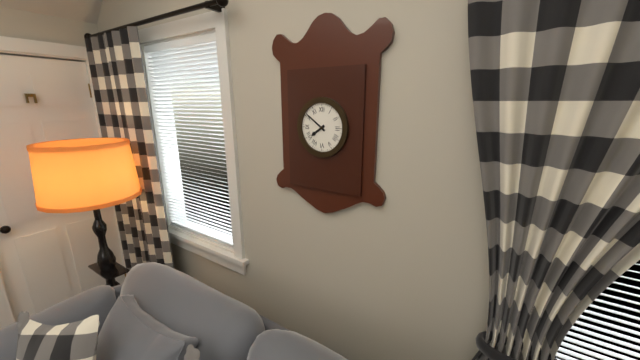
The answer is 7:51
